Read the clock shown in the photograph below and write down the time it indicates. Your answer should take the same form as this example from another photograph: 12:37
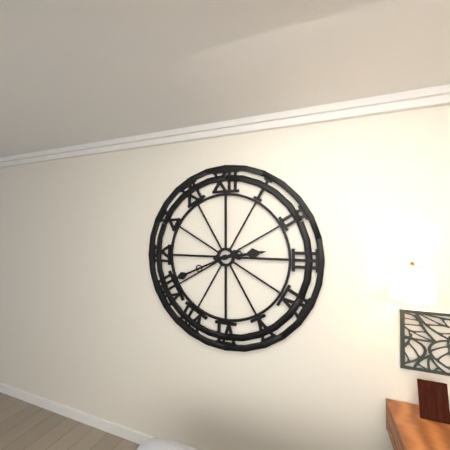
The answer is 2:41
